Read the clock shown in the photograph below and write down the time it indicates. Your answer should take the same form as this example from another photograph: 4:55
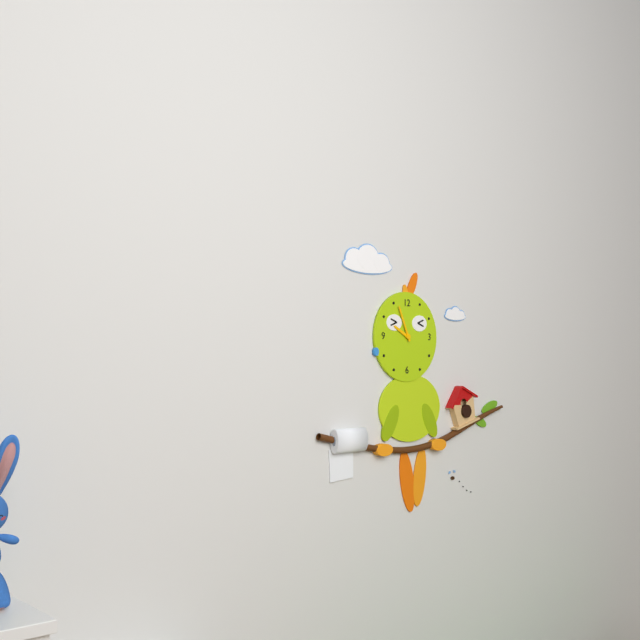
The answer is 9:56
